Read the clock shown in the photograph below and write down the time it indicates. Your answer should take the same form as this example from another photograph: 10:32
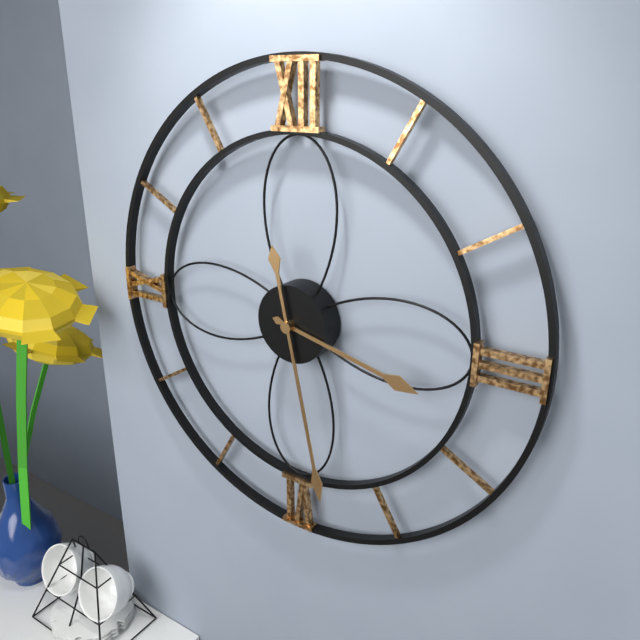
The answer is 3:28
